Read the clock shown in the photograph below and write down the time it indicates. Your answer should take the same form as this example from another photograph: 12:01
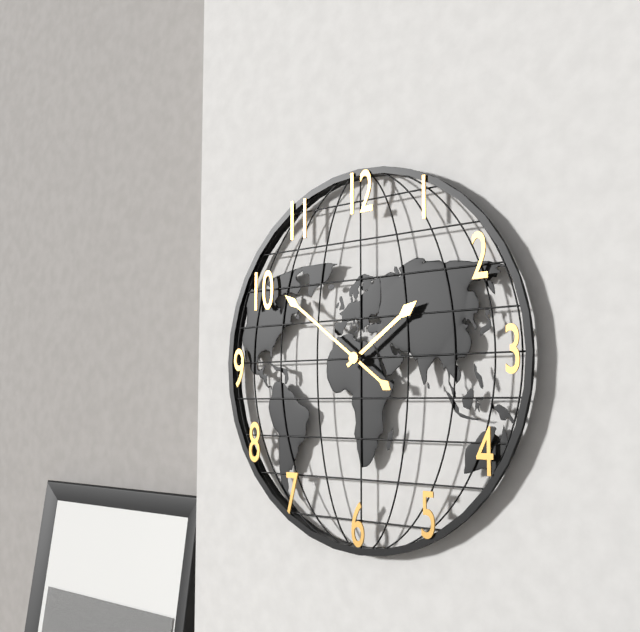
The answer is 1:51
